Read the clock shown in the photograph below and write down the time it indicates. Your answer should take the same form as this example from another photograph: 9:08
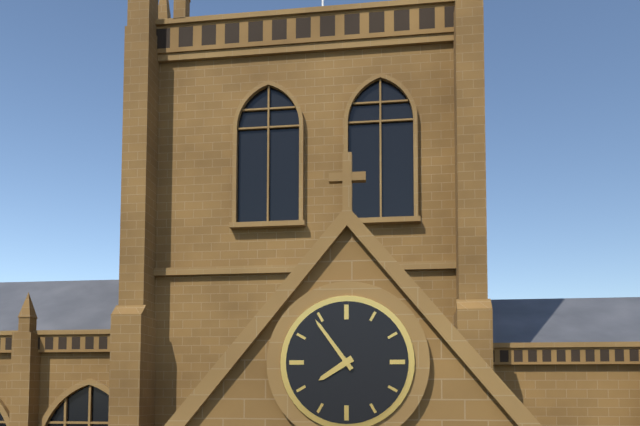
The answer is 7:54
